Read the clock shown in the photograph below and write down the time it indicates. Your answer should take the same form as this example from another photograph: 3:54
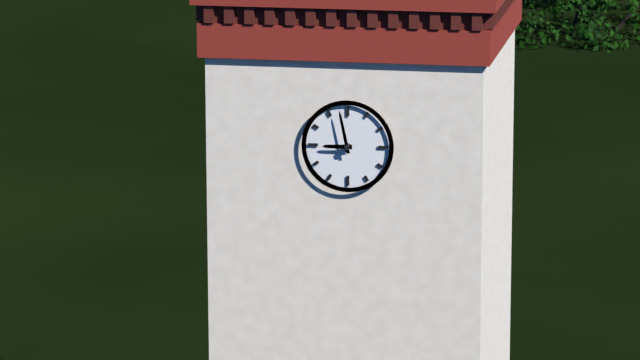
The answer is 8:58
